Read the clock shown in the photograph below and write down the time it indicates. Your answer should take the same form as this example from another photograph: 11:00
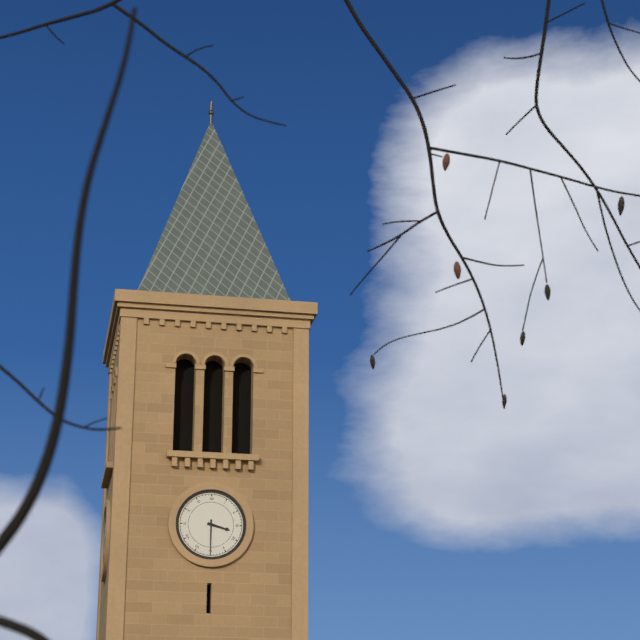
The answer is 3:30
